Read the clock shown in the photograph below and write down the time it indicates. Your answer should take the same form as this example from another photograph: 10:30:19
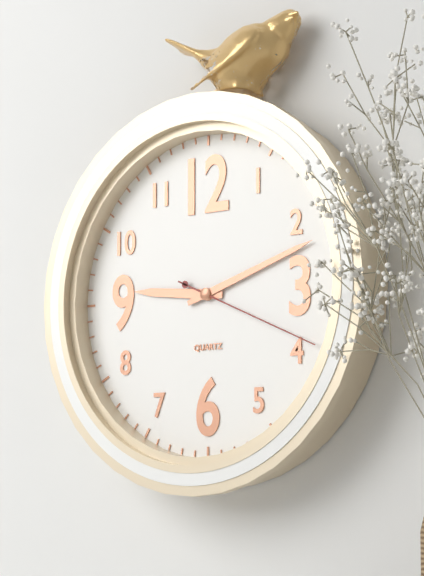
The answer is 9:12:19
